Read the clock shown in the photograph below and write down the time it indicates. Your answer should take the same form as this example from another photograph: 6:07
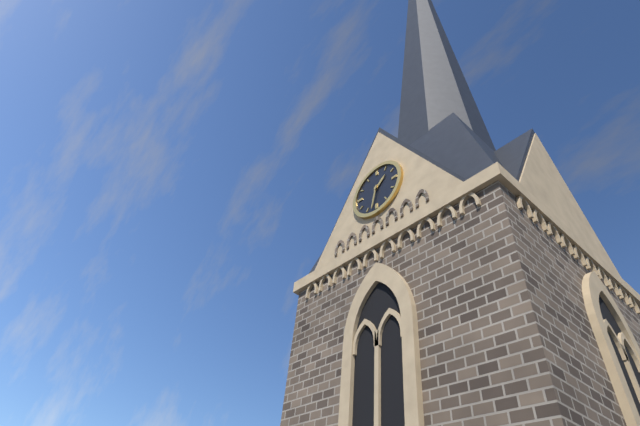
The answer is 1:32
